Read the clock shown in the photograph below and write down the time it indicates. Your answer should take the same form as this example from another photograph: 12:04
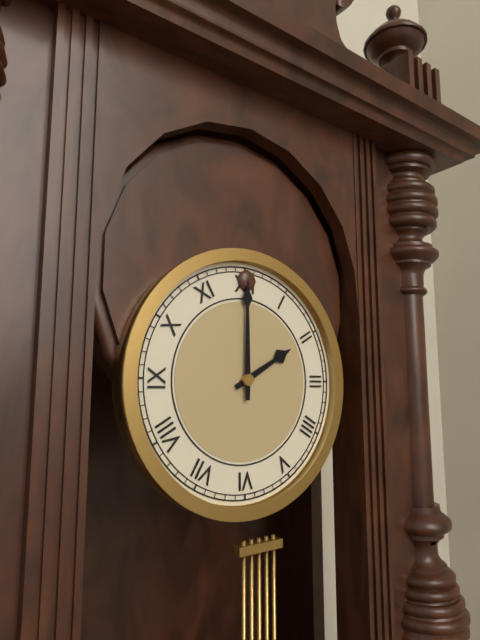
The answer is 2:00
